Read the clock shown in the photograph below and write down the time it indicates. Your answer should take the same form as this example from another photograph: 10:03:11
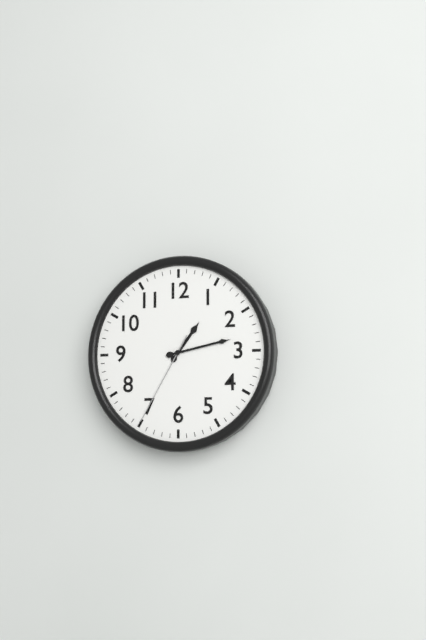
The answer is 1:13:35
